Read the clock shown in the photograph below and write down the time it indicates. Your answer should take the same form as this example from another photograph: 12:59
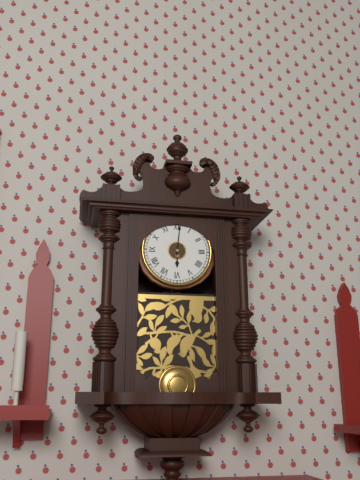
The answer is 6:01
